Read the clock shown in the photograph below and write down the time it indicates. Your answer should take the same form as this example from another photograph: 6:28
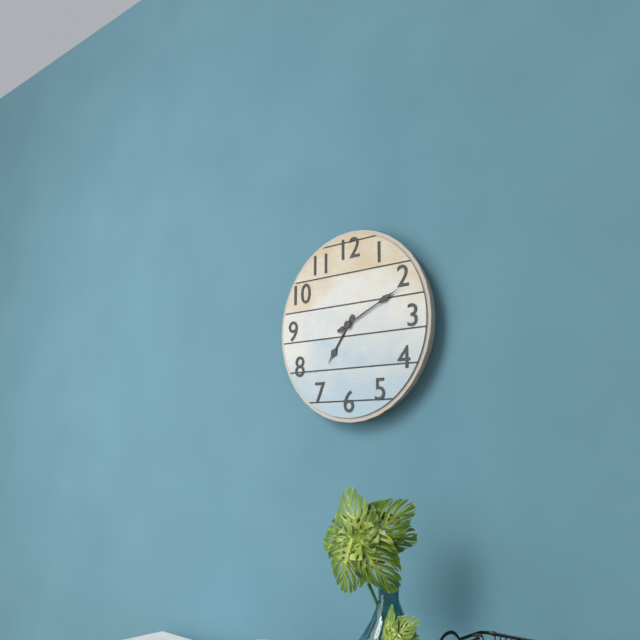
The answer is 7:11
